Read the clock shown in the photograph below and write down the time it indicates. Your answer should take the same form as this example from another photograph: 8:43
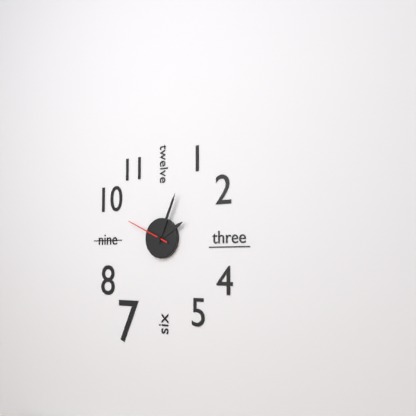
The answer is 2:04
